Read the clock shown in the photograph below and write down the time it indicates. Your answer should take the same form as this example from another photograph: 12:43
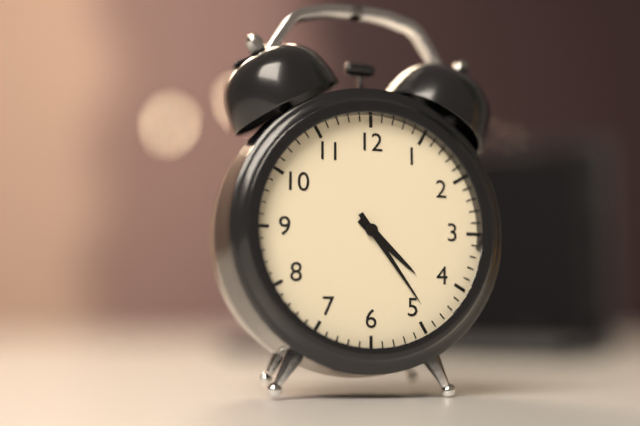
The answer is 4:24
